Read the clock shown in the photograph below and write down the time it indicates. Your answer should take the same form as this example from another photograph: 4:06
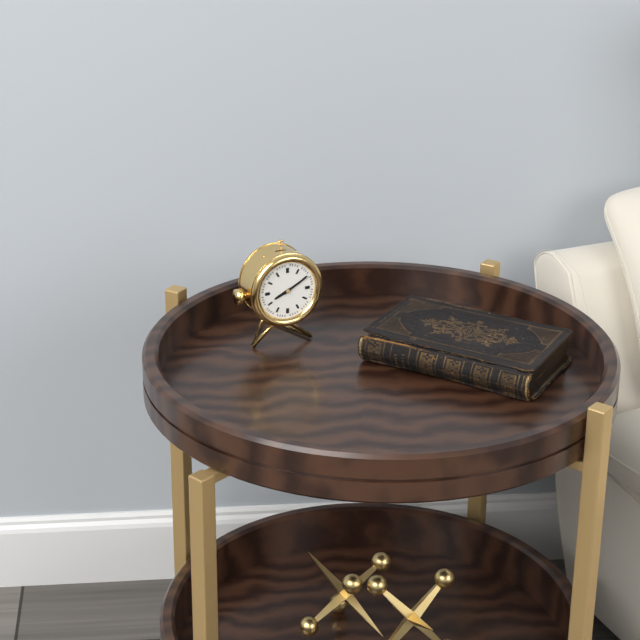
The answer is 8:10
